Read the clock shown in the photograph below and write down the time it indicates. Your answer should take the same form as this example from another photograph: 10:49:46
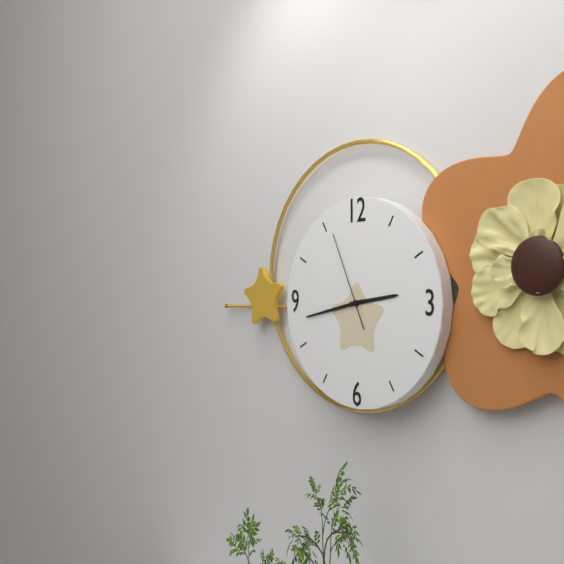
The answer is 2:43:56
